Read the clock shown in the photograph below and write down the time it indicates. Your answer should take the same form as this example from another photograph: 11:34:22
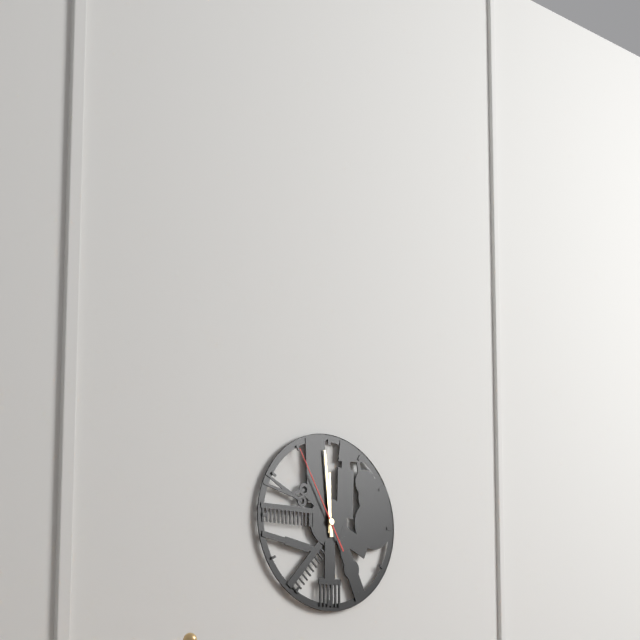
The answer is 11:59:55
